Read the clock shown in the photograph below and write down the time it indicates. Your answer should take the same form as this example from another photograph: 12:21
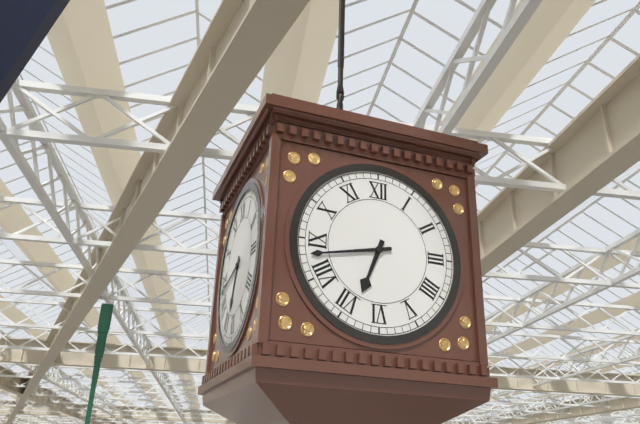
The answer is 6:43
